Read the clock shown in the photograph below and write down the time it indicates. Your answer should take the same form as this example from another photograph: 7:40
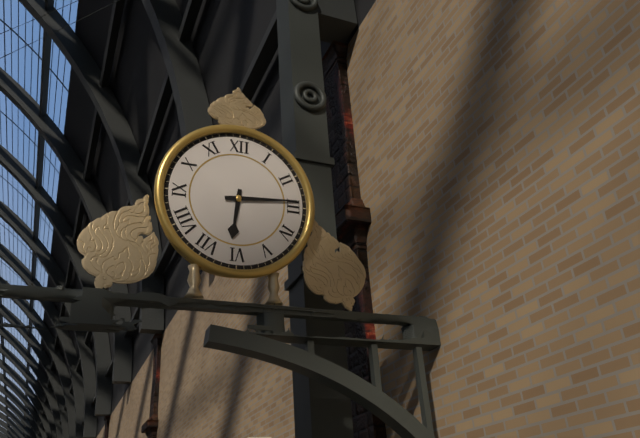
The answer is 6:14
